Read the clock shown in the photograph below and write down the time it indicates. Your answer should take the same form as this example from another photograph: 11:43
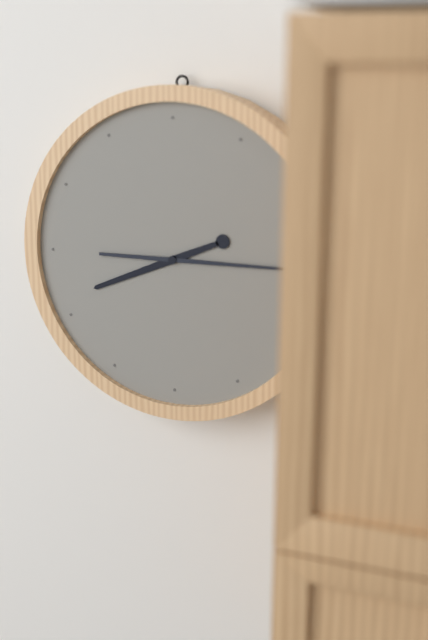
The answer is 8:15
